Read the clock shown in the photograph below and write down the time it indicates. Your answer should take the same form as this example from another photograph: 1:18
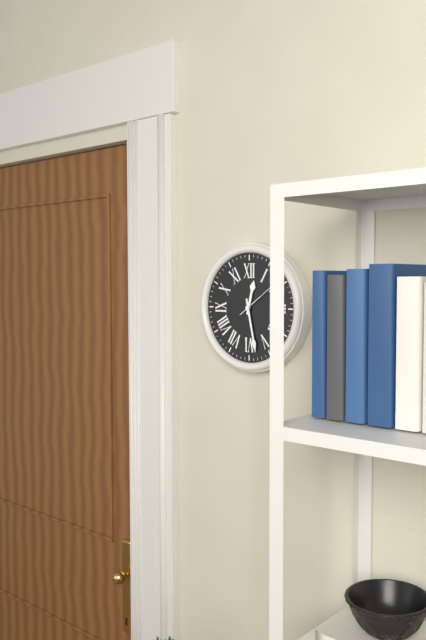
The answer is 12:28
